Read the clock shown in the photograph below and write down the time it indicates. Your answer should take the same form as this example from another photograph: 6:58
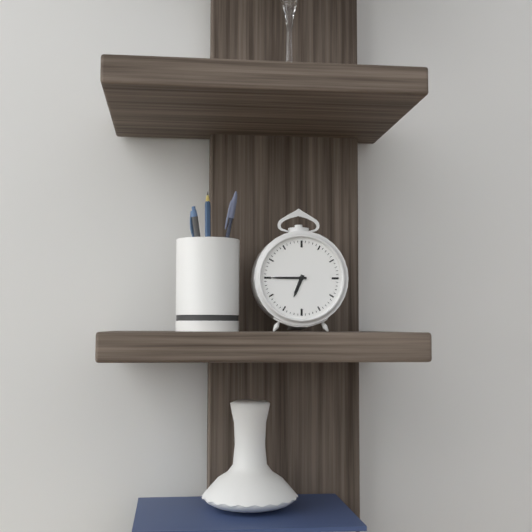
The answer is 6:45
